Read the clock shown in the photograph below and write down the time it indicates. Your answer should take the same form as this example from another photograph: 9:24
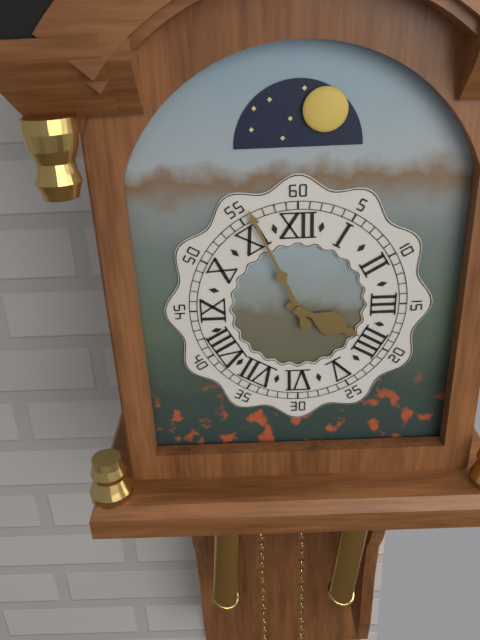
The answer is 3:56
